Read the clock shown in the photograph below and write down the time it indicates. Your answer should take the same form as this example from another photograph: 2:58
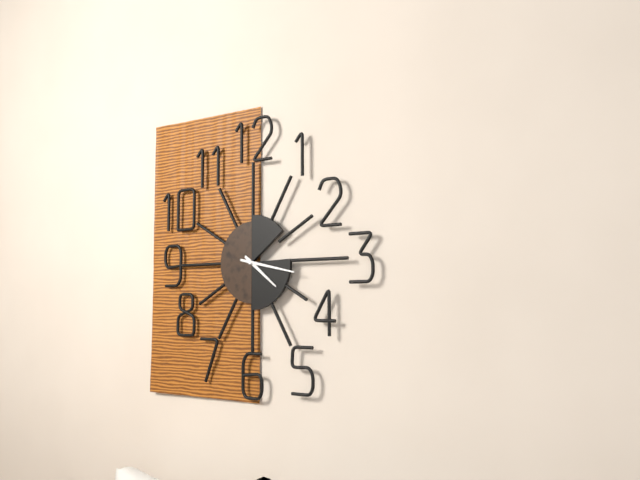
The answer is 4:17
